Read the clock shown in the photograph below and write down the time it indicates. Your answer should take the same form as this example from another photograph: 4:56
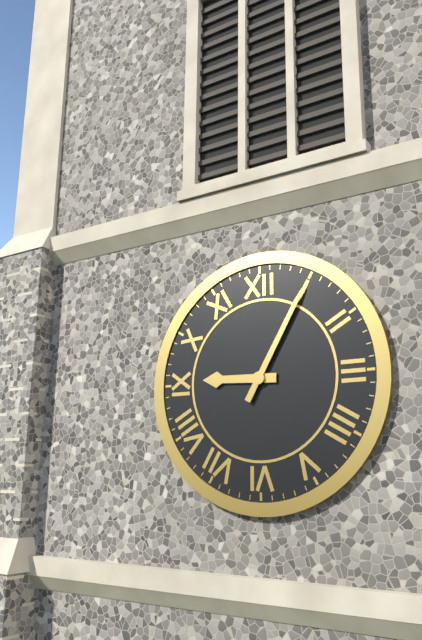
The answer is 9:05
